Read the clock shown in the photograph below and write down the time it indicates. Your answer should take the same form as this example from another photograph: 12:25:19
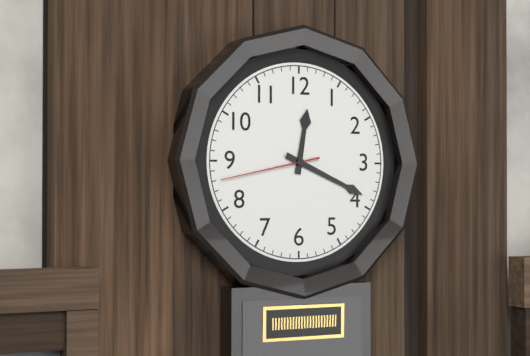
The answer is 12:19:43
